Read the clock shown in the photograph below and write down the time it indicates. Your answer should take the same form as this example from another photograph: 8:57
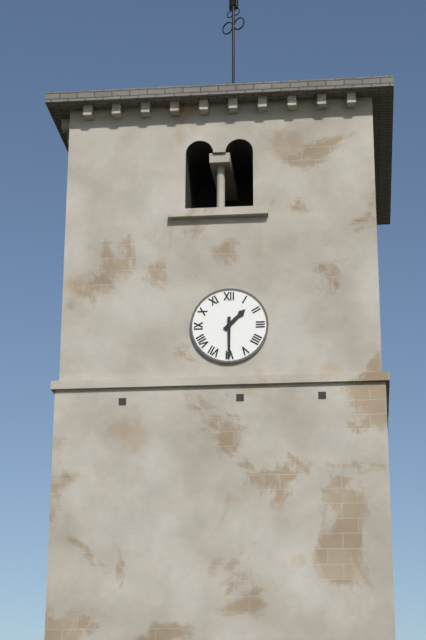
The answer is 1:30
